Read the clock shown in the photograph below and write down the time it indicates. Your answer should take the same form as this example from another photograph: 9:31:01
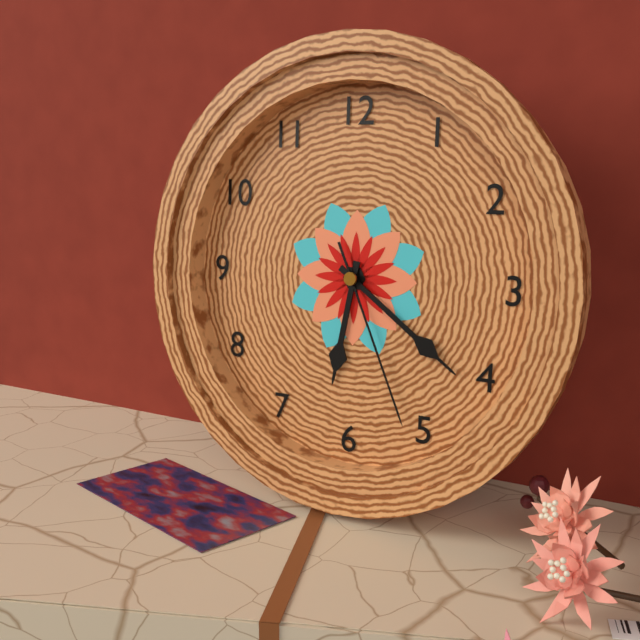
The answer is 6:21:26
